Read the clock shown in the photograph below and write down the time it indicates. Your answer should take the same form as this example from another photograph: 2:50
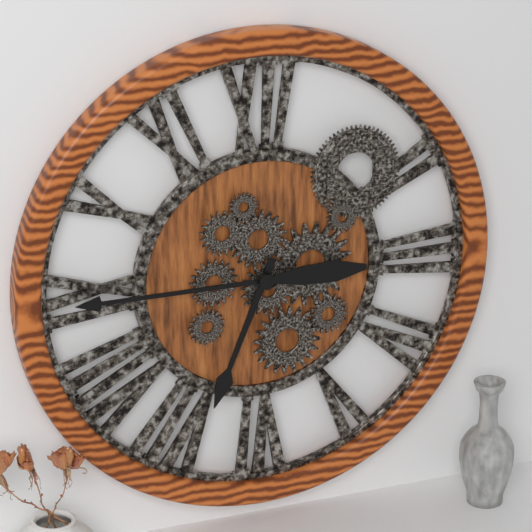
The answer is 6:45
